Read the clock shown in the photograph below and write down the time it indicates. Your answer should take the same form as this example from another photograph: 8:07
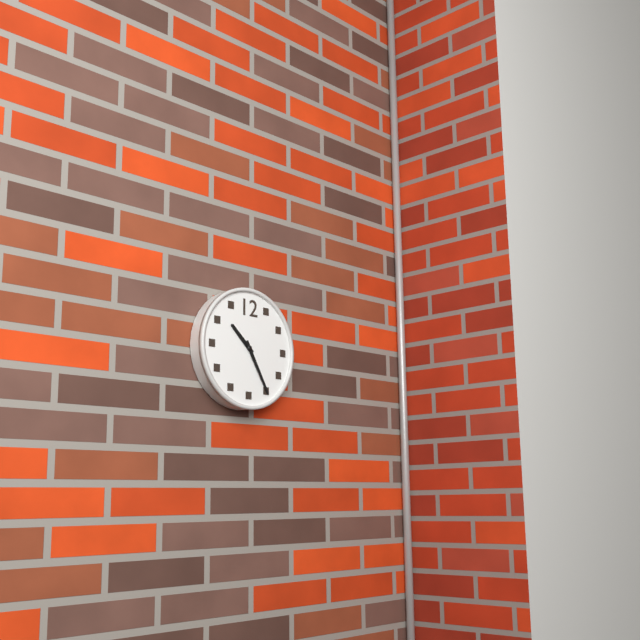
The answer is 10:25
